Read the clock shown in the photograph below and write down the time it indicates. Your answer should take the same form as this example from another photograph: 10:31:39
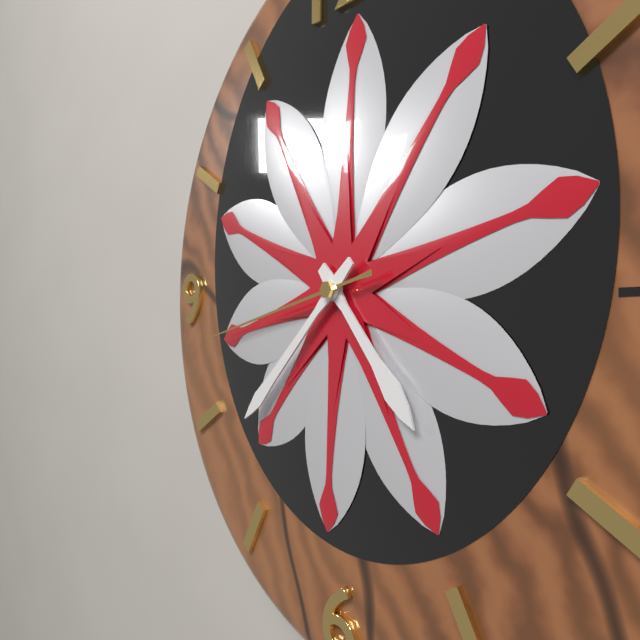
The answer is 4:38:43
